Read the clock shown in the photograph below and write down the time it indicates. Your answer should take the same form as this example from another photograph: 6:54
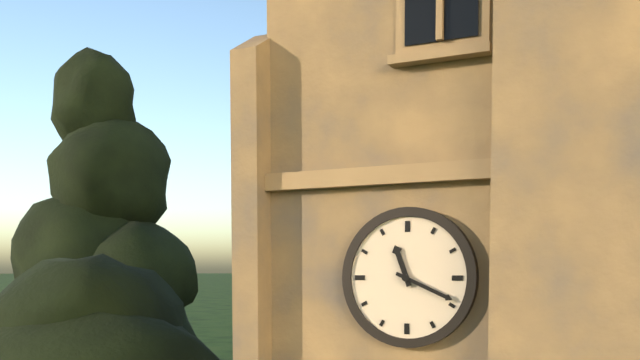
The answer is 11:19
